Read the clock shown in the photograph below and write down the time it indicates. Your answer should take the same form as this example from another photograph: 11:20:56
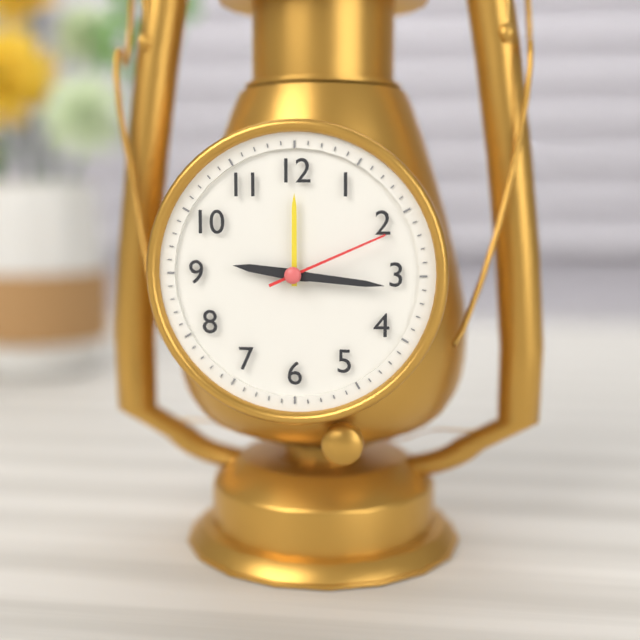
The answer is 9:16:11
